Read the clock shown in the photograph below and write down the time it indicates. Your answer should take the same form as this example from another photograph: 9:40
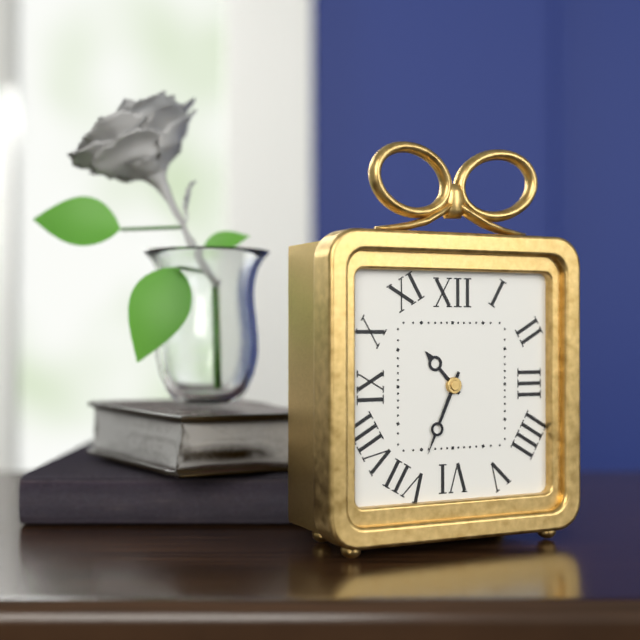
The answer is 10:34
